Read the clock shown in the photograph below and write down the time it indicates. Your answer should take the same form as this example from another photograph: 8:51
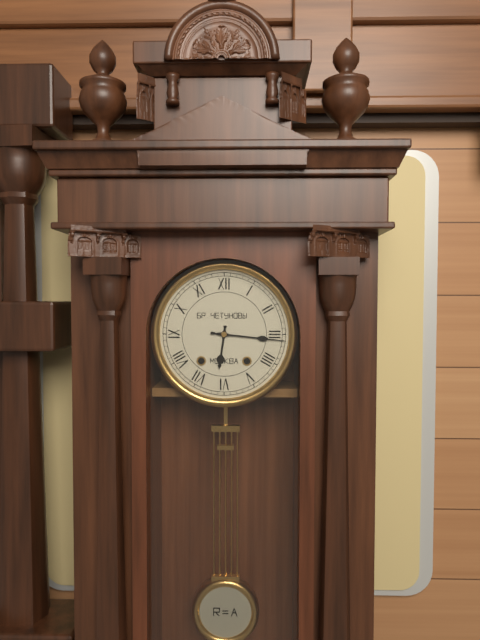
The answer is 6:16
